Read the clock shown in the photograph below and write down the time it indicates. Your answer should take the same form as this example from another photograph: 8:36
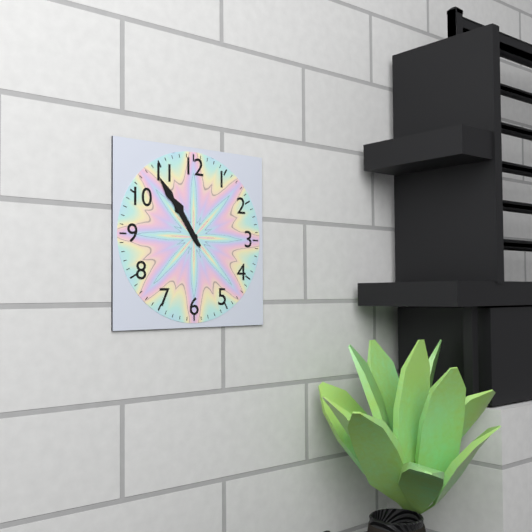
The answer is 10:54
